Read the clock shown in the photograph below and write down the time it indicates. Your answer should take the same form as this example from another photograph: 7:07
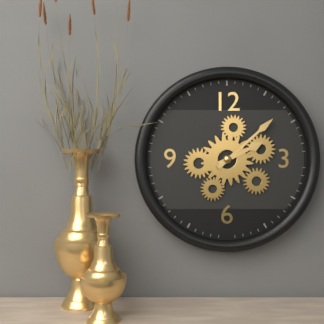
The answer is 2:08
